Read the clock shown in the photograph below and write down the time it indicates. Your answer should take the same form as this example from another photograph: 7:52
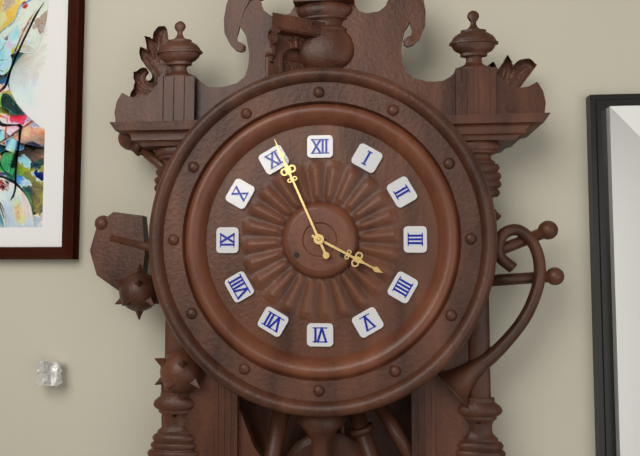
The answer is 3:56
